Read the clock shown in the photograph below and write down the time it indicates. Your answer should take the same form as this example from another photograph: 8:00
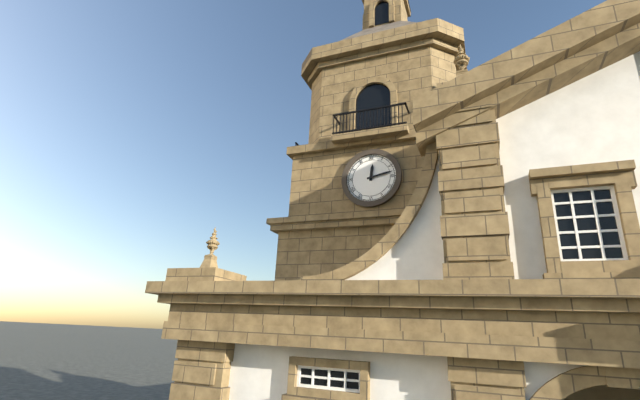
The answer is 12:13
